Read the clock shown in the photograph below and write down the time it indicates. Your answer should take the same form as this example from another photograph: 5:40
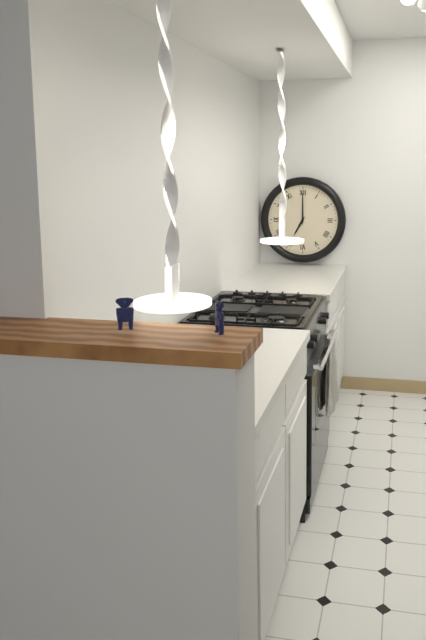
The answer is 7:00
